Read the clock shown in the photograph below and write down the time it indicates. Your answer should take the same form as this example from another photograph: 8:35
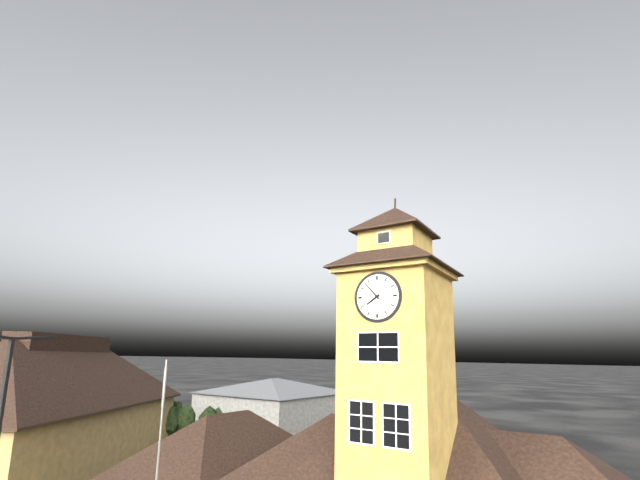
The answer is 7:53
